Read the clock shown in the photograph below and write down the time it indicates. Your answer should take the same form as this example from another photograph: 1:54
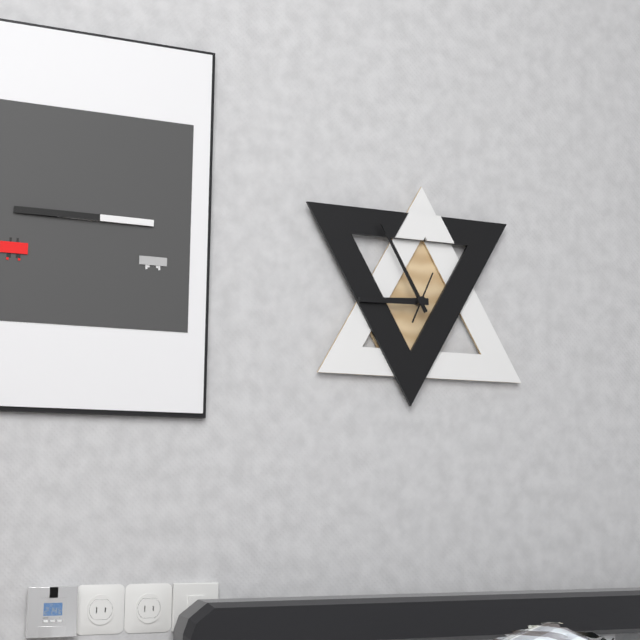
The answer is 8:55
